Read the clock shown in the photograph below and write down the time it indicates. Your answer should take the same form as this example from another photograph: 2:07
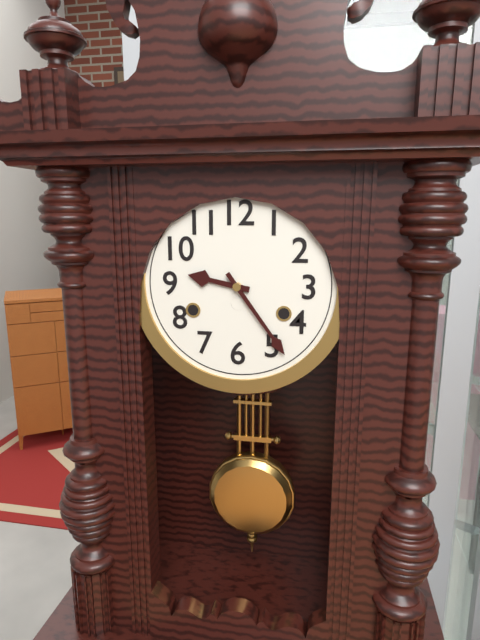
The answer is 9:24
